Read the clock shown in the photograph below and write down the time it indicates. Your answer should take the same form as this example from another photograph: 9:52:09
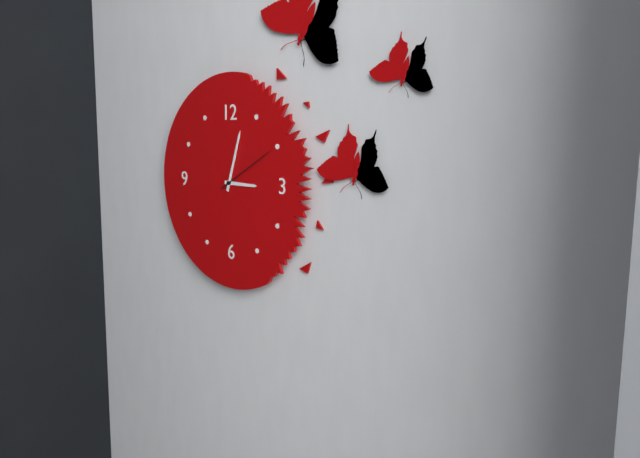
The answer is 3:03:10
